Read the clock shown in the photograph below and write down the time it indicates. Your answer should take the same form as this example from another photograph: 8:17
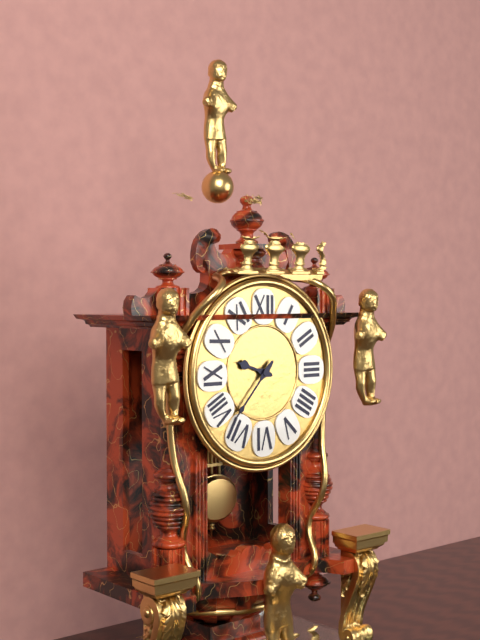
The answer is 9:37
